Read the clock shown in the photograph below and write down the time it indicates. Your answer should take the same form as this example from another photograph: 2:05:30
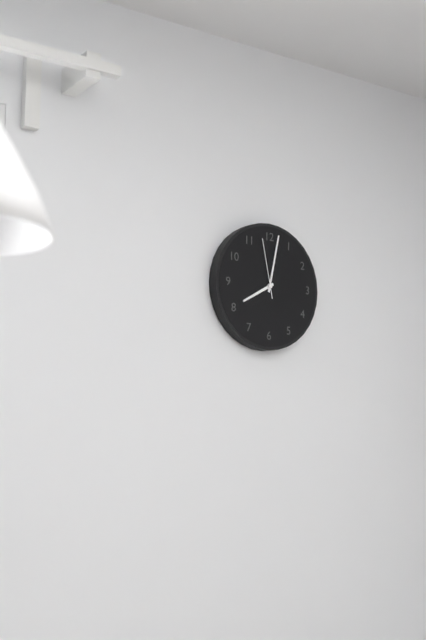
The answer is 8:02:58
